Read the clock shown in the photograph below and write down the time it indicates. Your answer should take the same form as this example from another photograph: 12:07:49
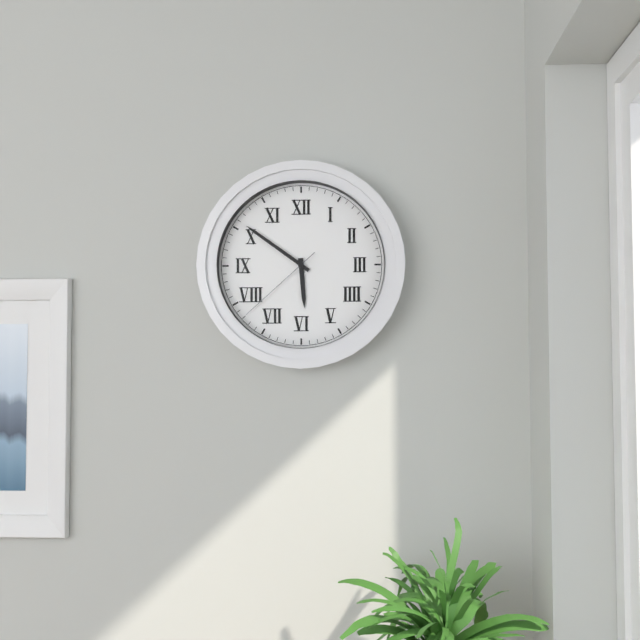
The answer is 5:51:38
